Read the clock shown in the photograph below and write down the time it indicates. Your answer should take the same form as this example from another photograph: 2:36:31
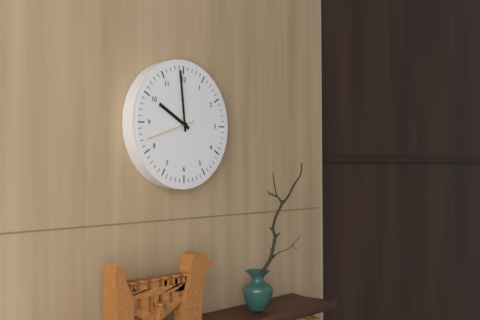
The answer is 9:59:42
